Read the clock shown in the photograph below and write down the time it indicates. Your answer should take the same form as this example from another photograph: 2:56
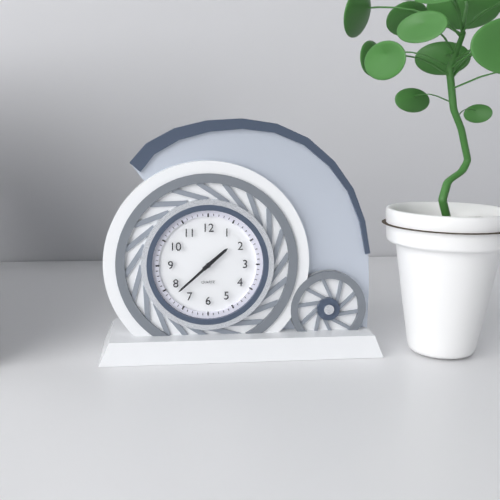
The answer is 1:38
